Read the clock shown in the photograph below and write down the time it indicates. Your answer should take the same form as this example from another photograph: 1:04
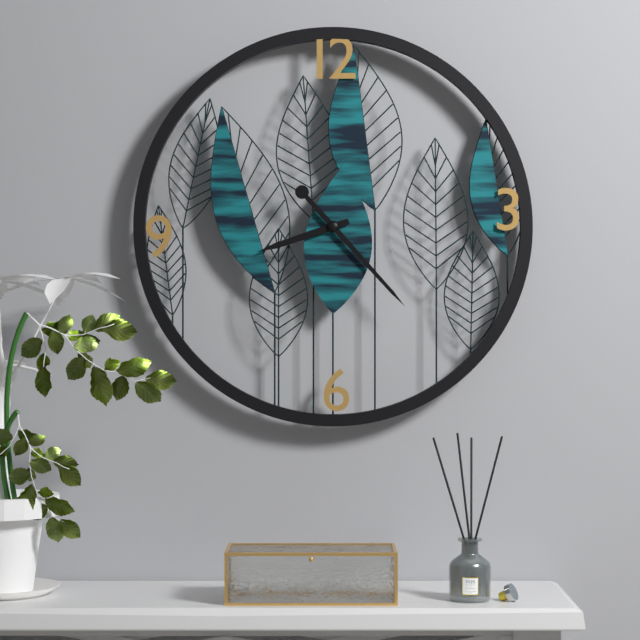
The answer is 8:23
